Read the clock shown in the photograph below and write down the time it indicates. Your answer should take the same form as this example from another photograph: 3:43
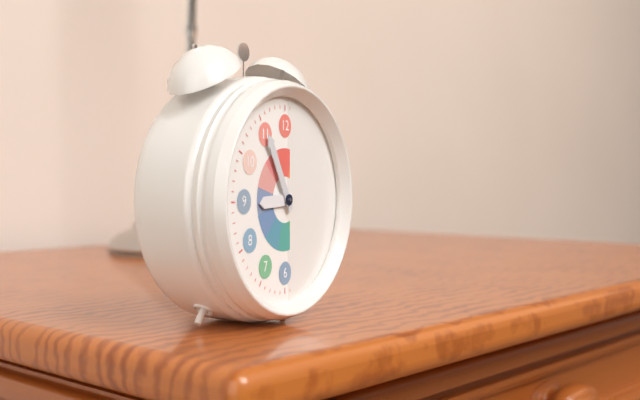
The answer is 8:55
